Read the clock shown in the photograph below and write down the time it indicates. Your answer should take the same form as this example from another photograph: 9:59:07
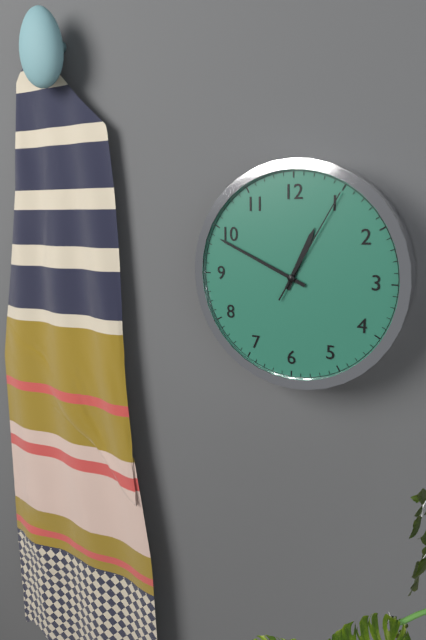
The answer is 12:49:05
